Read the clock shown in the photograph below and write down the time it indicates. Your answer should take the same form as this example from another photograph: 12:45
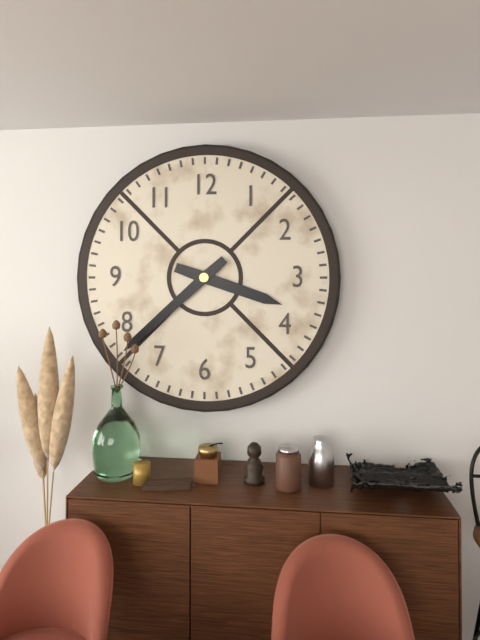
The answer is 3:38
